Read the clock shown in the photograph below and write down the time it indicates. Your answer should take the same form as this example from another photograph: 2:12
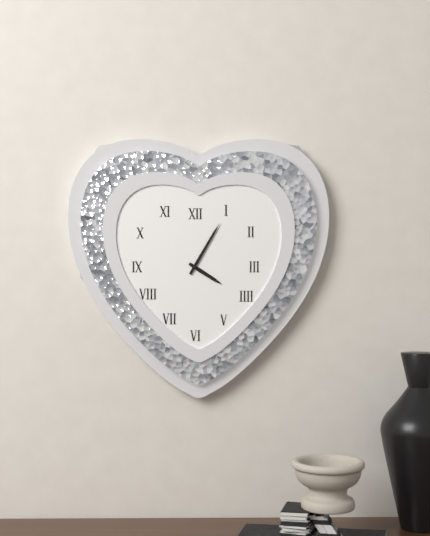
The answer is 4:05
